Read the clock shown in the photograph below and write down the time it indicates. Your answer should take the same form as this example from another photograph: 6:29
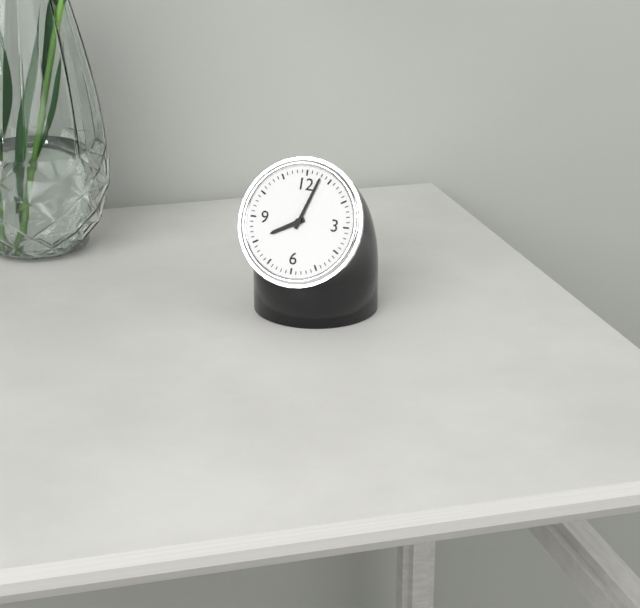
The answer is 8:03
